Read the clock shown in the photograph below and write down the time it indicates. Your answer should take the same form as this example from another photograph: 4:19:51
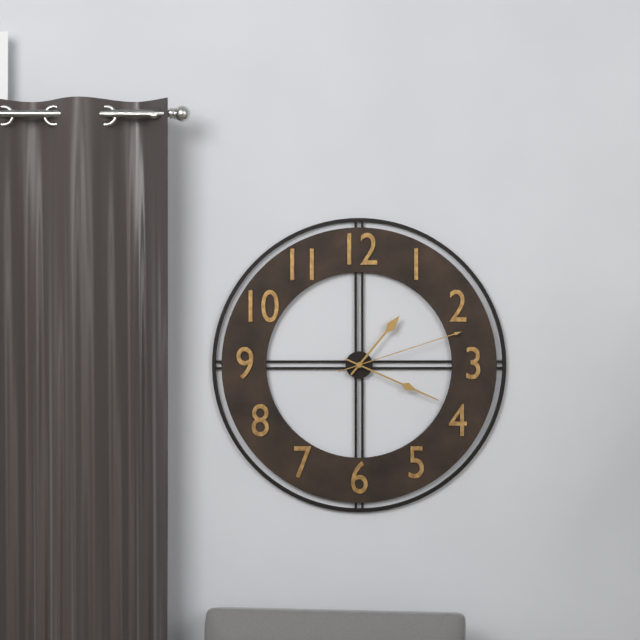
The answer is 1:19:12
